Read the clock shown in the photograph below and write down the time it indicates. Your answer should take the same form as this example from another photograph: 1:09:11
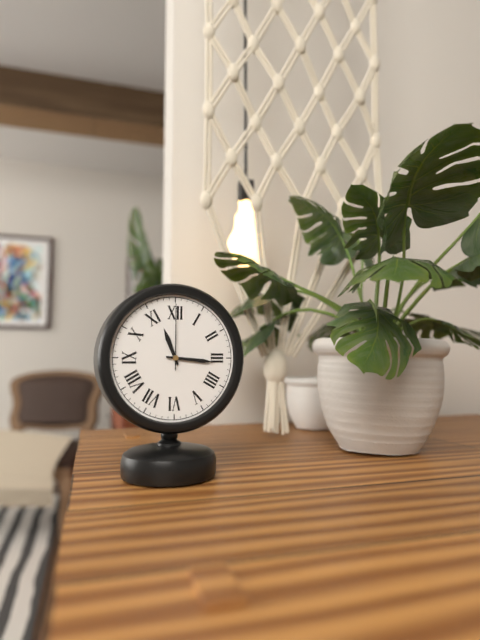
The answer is 11:16:00
